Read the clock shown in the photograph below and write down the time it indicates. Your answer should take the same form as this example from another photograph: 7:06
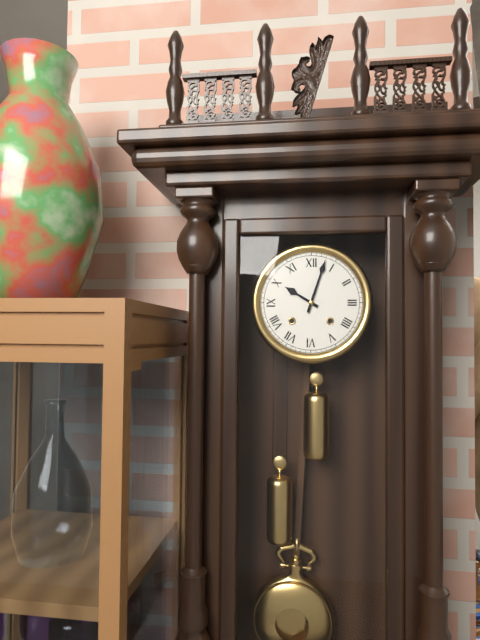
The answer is 10:03
